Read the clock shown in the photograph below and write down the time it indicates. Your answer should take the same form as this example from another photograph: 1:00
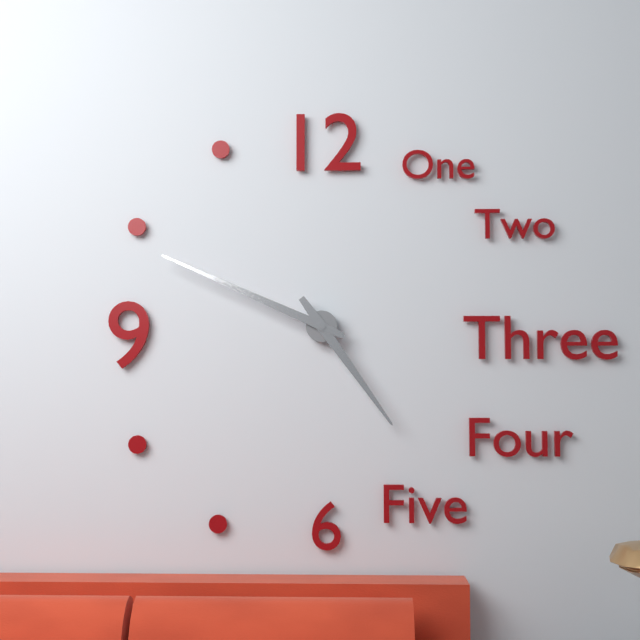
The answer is 4:49
